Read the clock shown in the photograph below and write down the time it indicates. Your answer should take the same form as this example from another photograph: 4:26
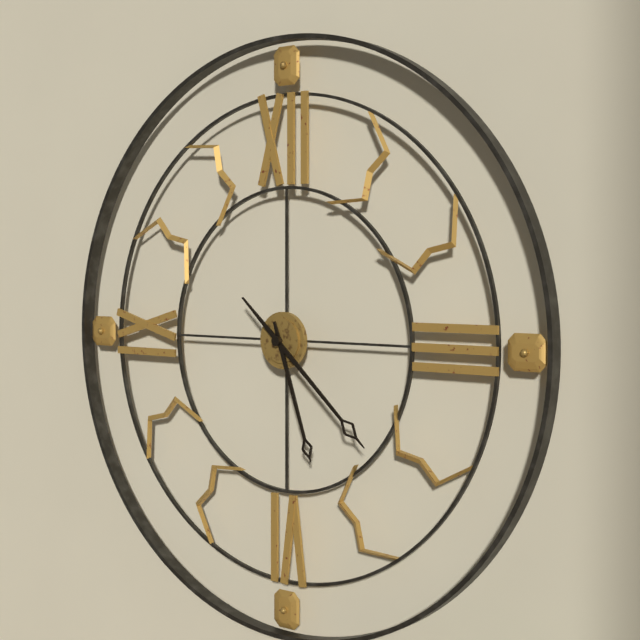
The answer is 5:22
